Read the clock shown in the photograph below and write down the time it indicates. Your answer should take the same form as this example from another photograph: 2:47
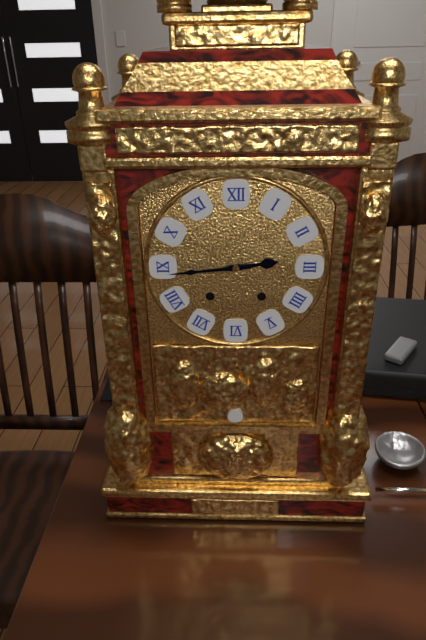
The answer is 2:44
